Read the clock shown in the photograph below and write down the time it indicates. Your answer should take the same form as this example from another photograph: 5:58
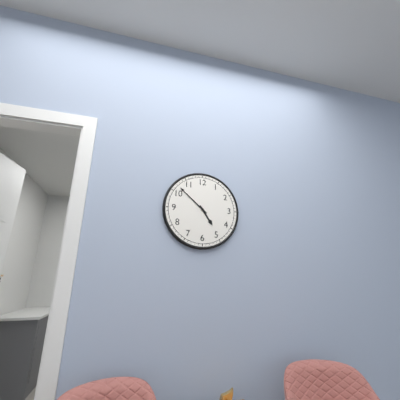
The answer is 4:52
